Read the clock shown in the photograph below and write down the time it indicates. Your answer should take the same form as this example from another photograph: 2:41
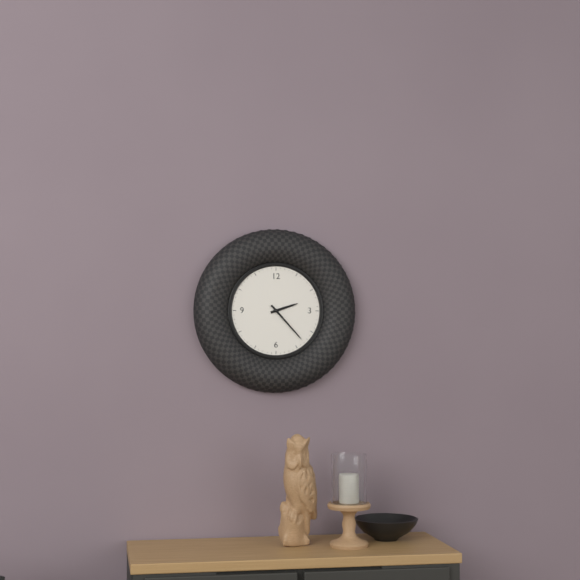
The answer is 2:23
